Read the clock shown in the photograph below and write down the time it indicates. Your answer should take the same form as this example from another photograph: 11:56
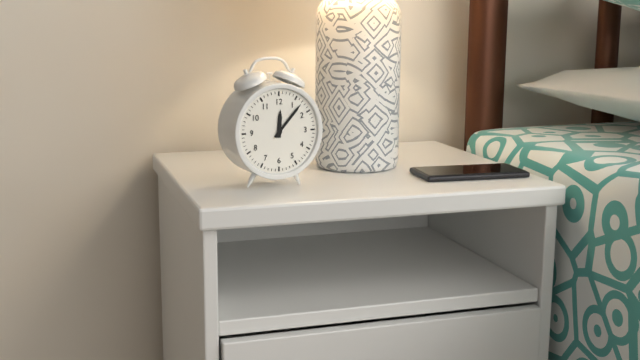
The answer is 12:07
